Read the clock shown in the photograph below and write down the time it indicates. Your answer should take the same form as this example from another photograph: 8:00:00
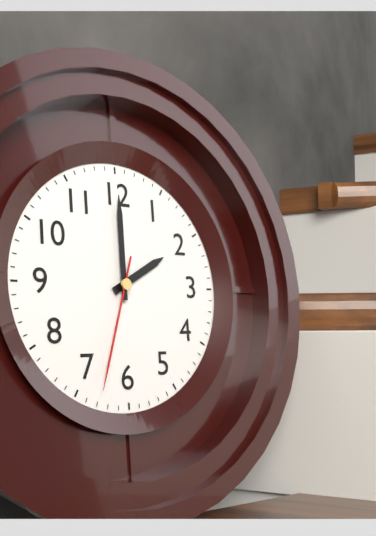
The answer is 2:00:33
